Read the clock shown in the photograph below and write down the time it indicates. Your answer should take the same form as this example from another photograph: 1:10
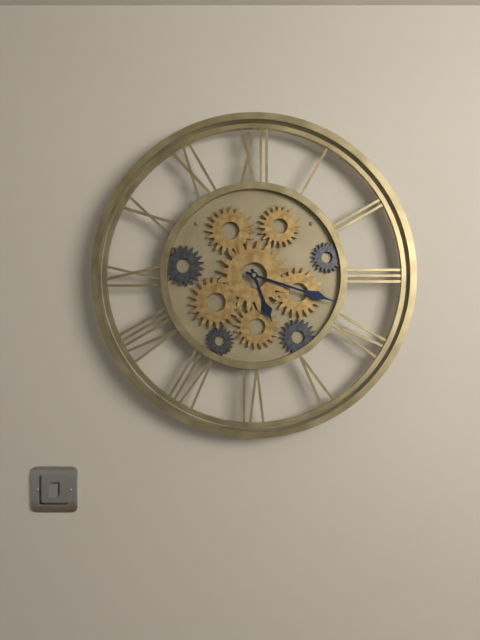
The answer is 5:18
